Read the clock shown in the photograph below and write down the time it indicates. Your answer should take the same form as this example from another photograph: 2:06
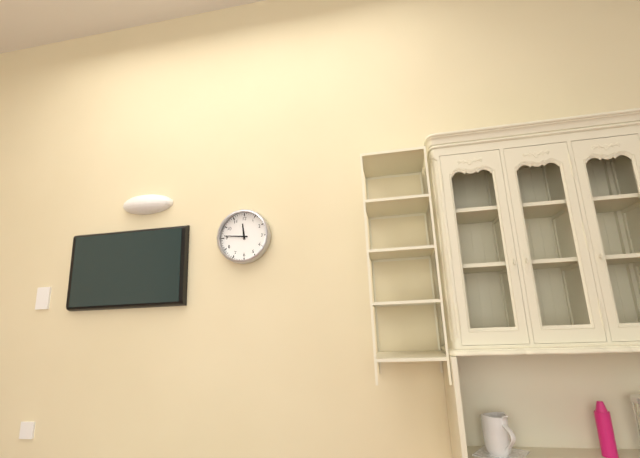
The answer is 11:46
